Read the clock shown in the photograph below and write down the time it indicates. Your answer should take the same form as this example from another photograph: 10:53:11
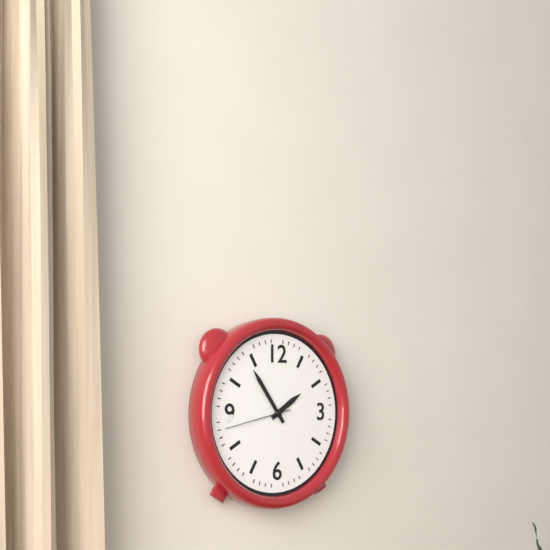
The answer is 1:54:43
